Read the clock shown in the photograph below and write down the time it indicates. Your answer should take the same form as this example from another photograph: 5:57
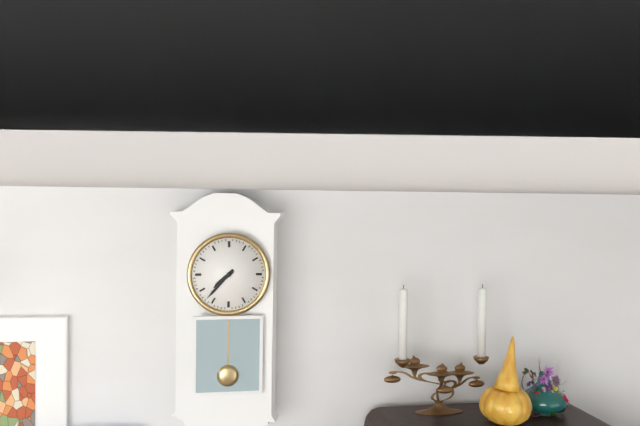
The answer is 7:37
